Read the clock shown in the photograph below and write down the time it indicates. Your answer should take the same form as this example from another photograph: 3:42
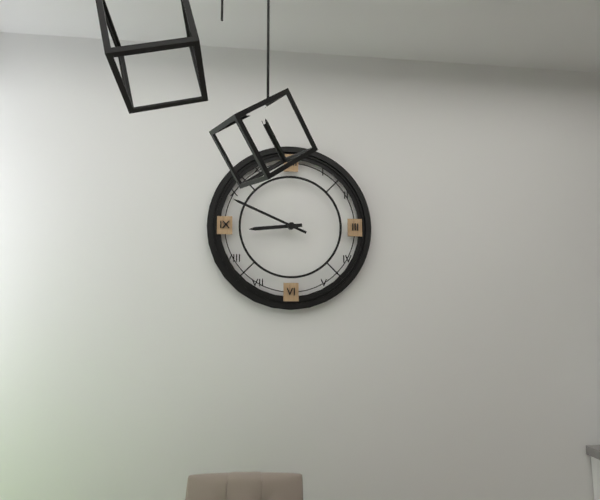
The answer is 8:49
